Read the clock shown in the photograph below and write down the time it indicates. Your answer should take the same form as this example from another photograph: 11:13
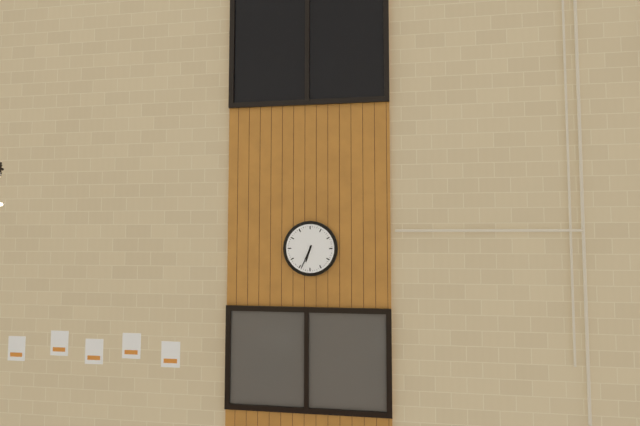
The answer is 6:34
